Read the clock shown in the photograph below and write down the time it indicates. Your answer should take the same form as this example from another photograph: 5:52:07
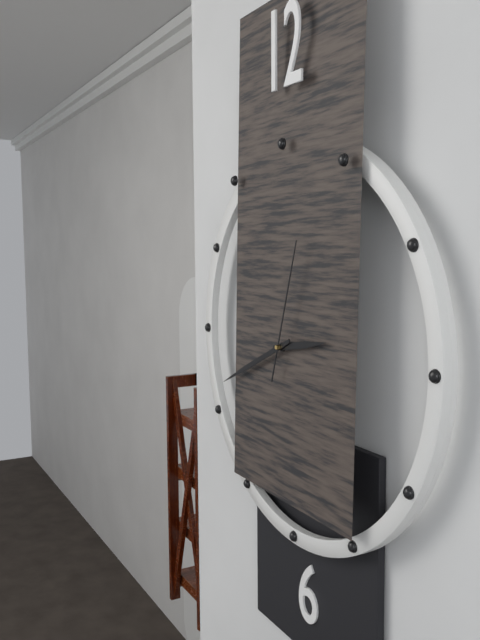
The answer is 2:41:03
